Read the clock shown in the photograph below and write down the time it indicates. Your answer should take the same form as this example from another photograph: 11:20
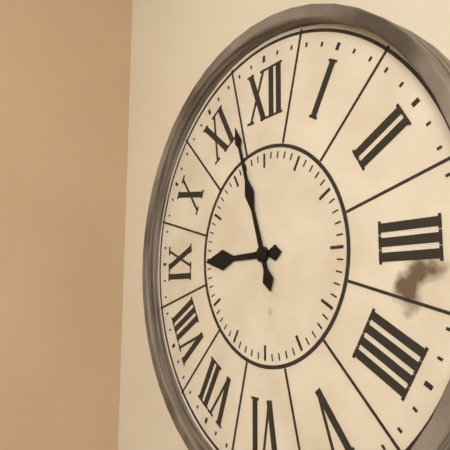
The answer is 8:57
